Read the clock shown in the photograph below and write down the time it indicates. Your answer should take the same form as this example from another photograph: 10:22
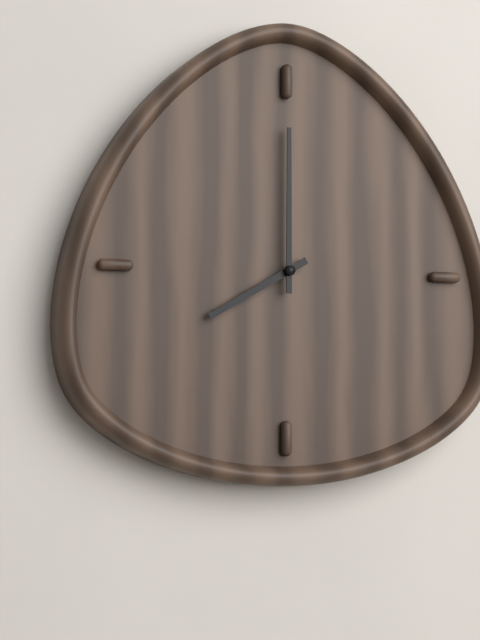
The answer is 8:00
